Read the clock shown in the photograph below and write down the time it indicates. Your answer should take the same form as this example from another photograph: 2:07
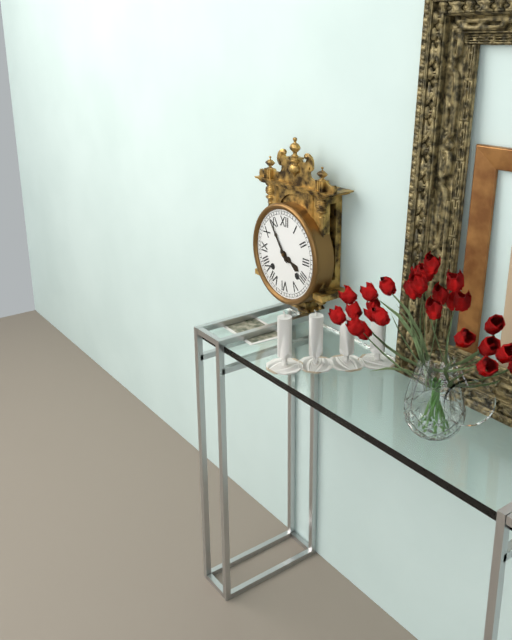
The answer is 3:54
